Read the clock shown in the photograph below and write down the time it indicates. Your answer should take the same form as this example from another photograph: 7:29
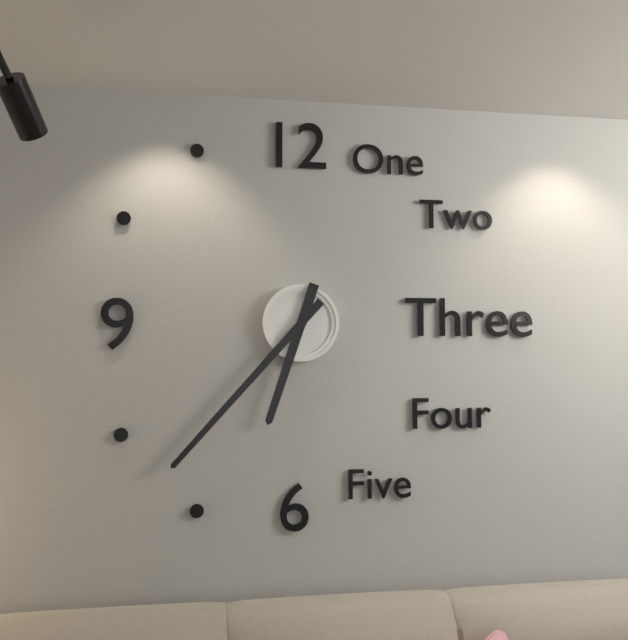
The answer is 6:37
